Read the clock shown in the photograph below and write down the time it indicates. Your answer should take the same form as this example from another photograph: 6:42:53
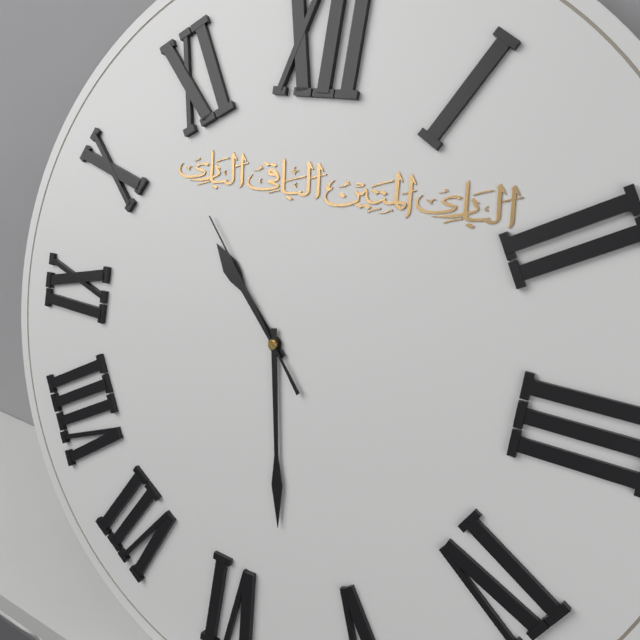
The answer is 10:28:53
